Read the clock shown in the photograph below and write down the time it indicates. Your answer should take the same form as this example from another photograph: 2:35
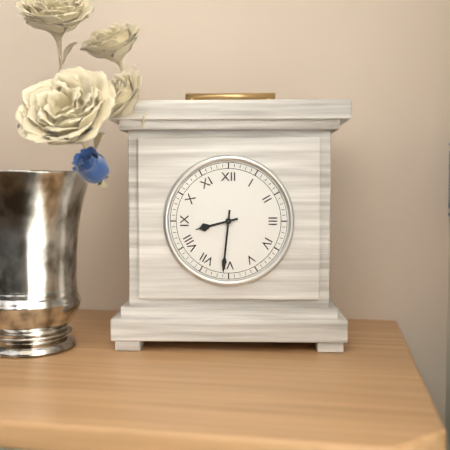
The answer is 8:31
